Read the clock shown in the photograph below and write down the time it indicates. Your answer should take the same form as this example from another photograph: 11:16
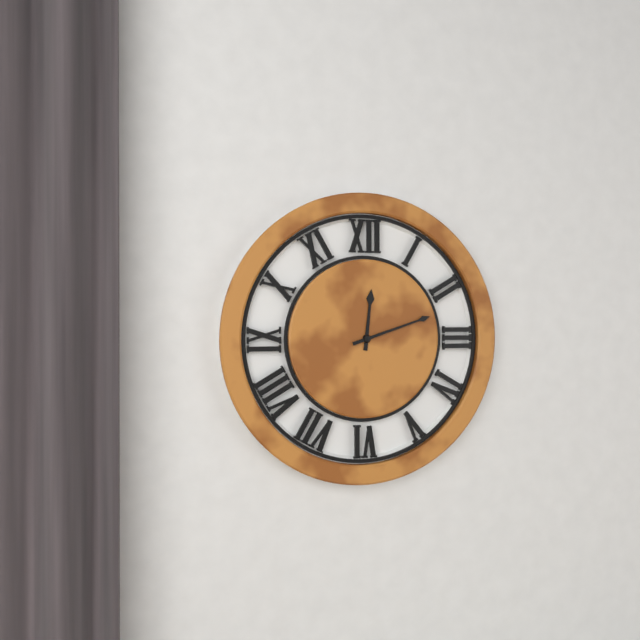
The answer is 12:12
